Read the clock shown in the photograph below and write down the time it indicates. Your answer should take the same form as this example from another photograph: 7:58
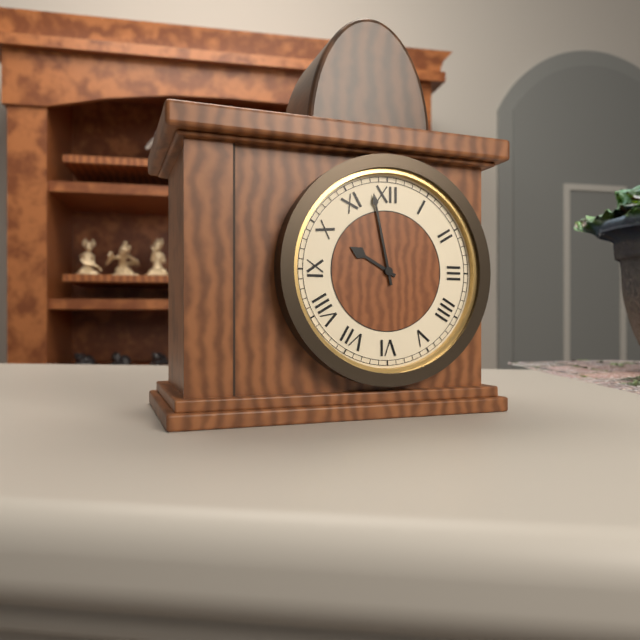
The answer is 9:58
